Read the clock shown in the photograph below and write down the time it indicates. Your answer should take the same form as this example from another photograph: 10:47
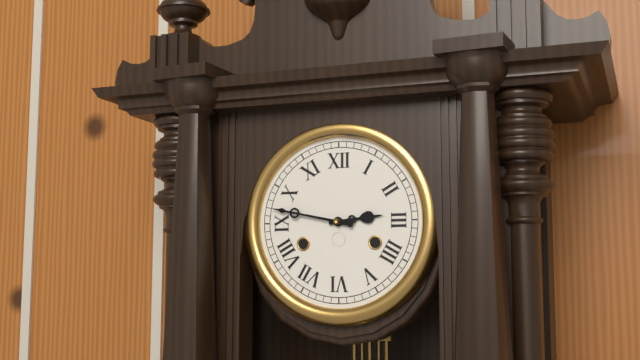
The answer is 2:47
